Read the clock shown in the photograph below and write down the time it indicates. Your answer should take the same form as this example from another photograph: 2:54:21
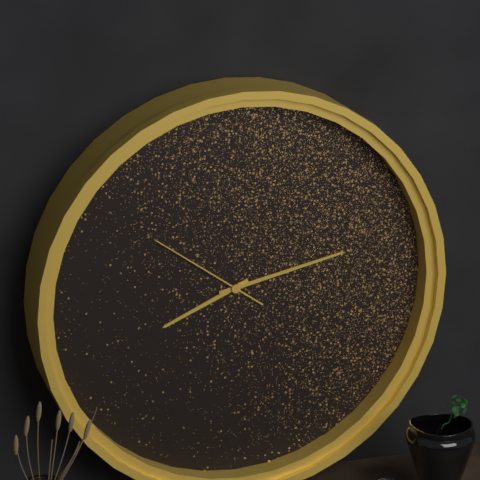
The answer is 8:13:51
